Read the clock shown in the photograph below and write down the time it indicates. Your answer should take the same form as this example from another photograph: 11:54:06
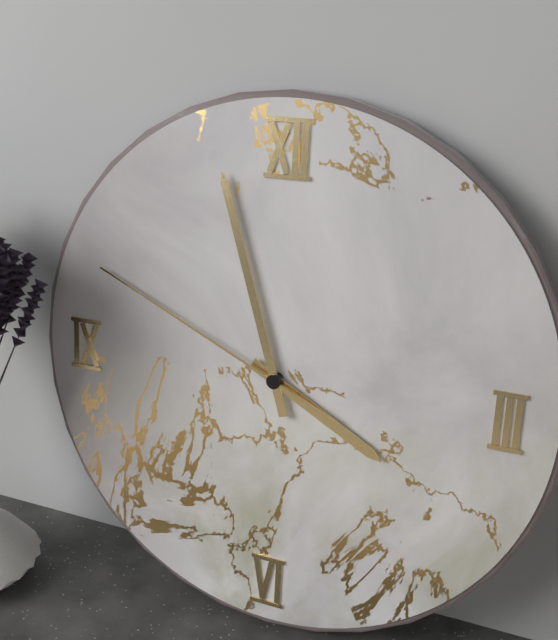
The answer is 3:57:49
